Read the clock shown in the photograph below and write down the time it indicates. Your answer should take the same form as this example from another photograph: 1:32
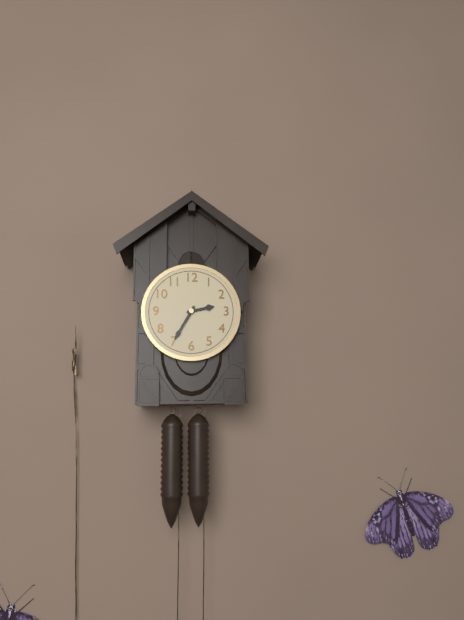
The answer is 2:35
